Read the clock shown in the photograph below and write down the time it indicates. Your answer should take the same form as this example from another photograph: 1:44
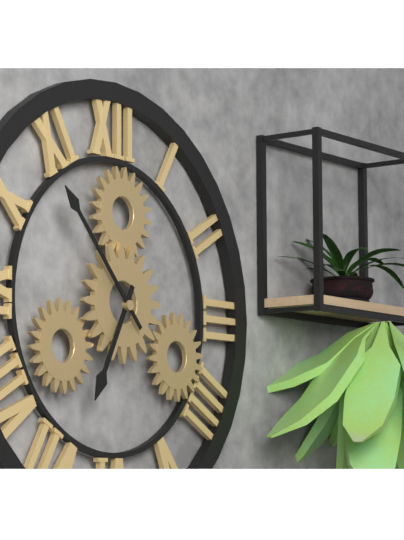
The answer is 6:53
